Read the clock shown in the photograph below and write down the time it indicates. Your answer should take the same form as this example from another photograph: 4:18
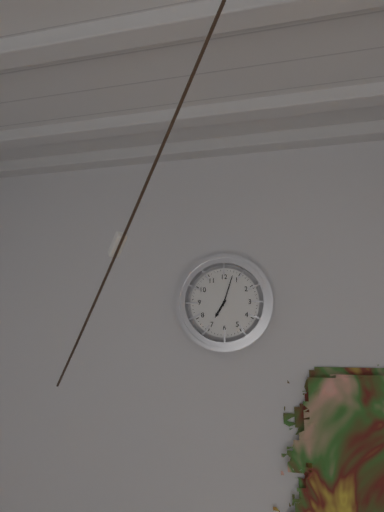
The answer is 7:03
